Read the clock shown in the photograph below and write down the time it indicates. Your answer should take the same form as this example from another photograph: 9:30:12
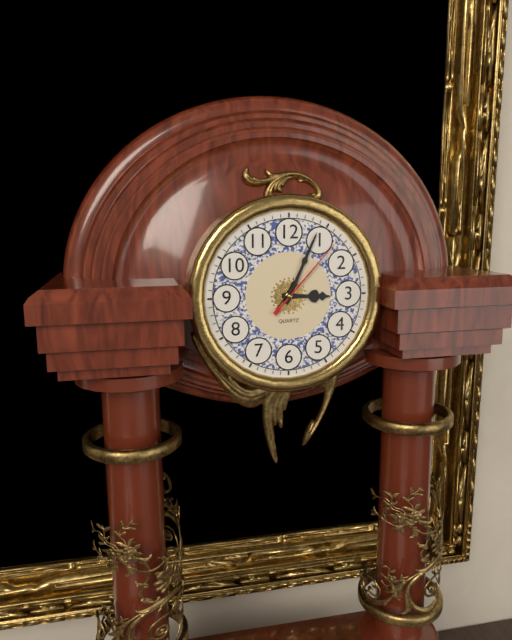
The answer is 3:04:07
